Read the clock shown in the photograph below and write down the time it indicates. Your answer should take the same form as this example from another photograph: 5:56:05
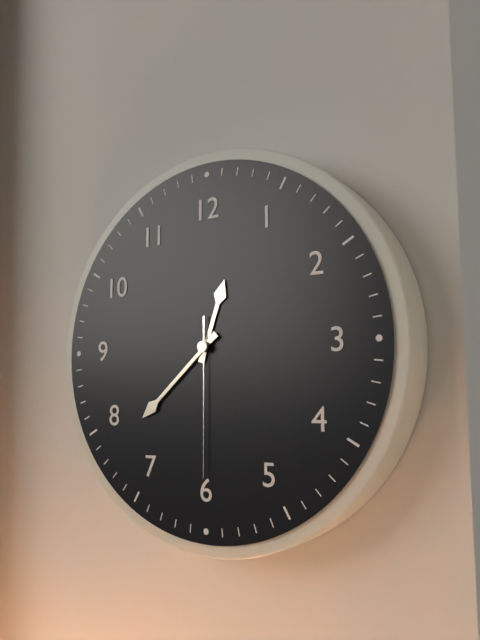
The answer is 12:38:30
